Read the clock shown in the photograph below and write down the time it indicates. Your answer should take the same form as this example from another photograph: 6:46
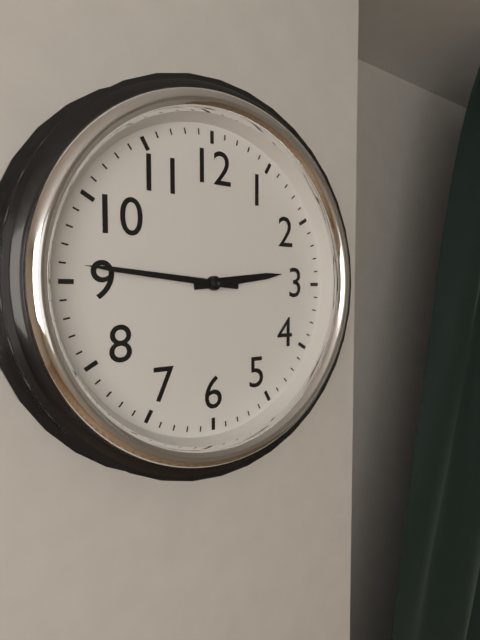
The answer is 2:46
